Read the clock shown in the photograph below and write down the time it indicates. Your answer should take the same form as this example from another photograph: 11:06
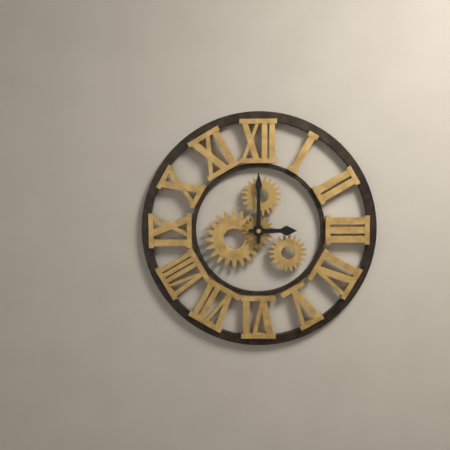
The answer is 3:00
